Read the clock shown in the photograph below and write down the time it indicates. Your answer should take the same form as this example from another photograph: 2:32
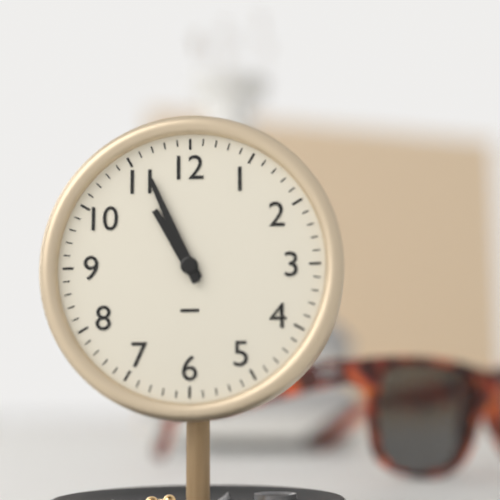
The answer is 10:56
